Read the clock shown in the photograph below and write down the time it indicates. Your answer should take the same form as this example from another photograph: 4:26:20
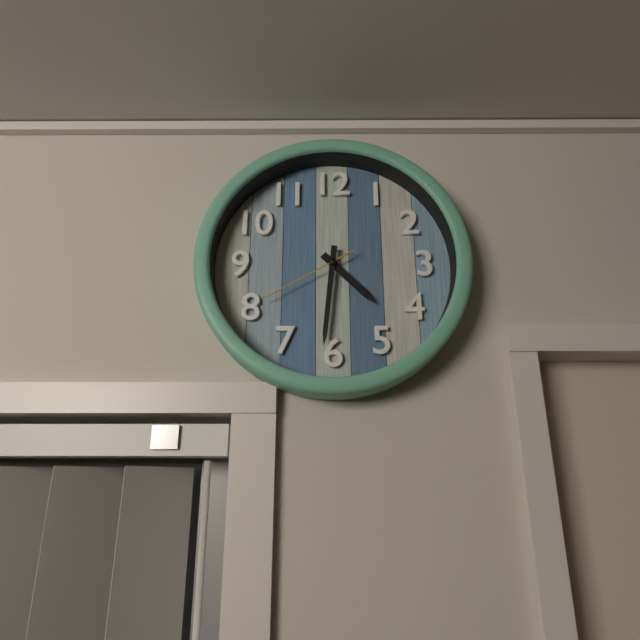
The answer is 4:31:40
